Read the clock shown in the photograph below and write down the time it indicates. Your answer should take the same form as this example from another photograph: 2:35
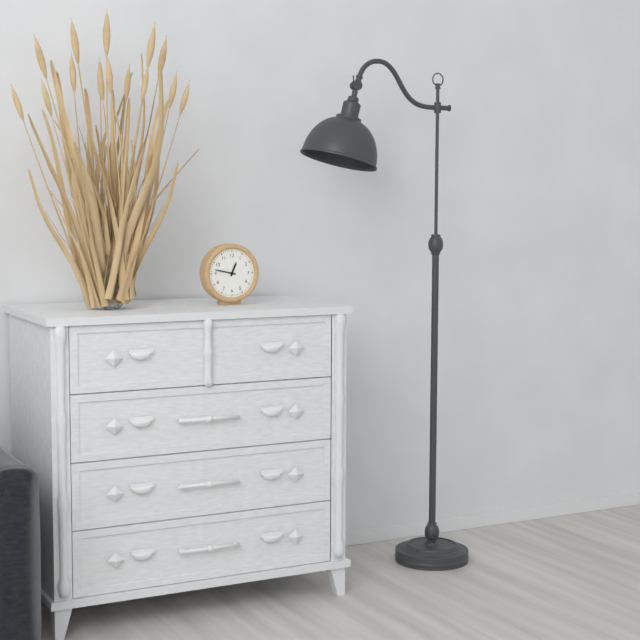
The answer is 12:47
